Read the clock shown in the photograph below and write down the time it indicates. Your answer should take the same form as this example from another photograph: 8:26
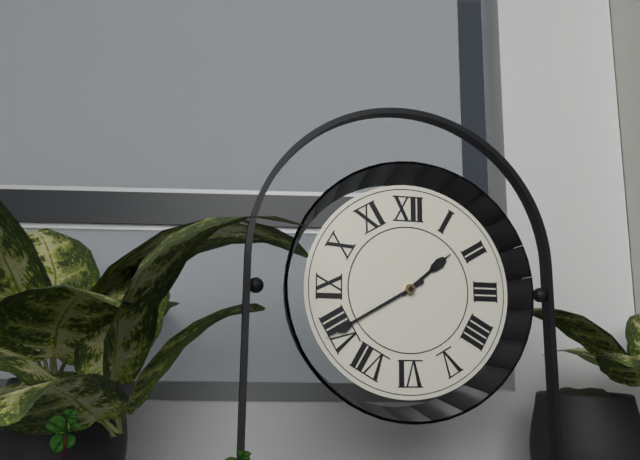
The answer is 1:40
